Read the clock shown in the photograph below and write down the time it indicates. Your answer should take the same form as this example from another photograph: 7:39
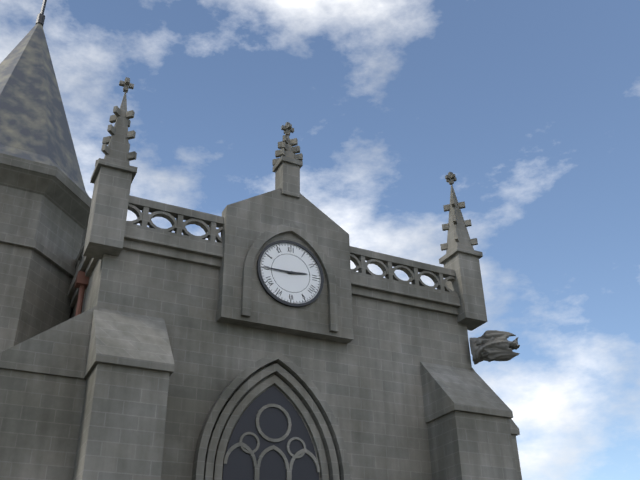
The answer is 2:45
